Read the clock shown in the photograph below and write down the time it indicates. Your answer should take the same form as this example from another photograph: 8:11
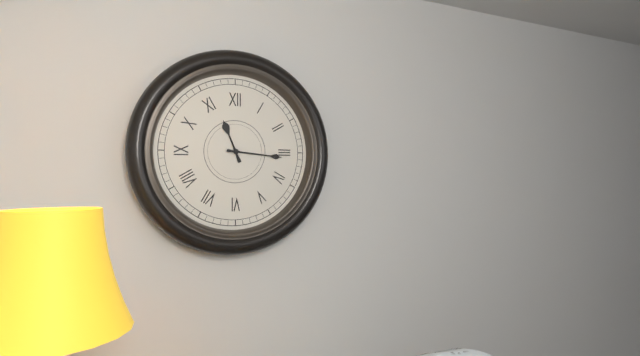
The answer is 11:16
